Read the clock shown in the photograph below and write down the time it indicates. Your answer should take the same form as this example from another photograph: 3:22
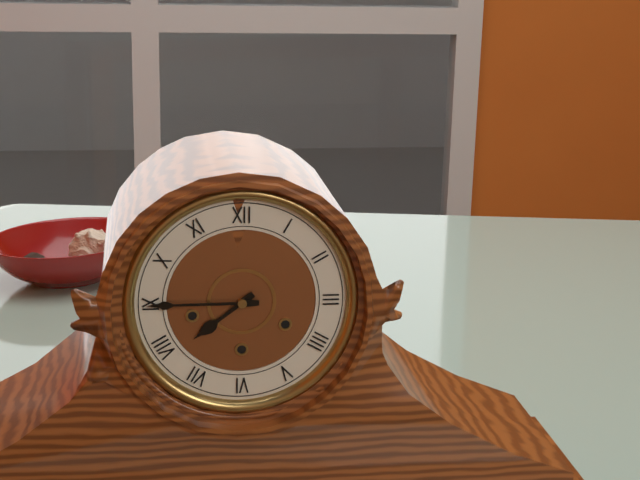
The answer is 7:45
